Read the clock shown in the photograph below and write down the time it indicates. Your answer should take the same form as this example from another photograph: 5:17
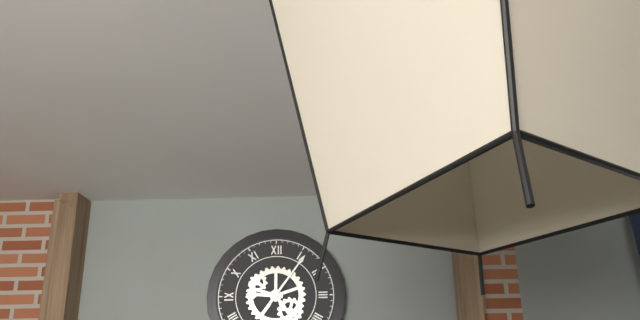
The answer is 9:06
